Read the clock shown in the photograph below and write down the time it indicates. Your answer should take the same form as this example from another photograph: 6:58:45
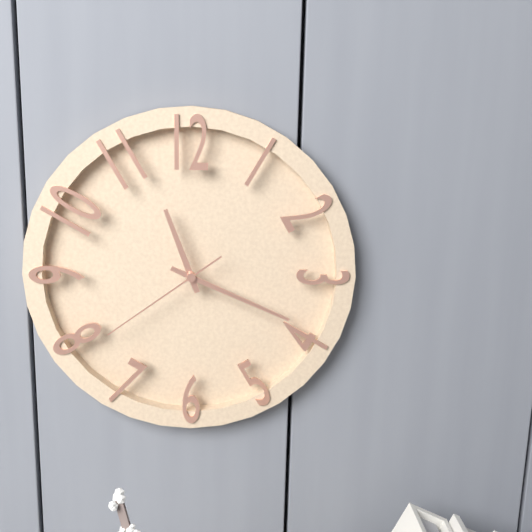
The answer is 11:19:39
